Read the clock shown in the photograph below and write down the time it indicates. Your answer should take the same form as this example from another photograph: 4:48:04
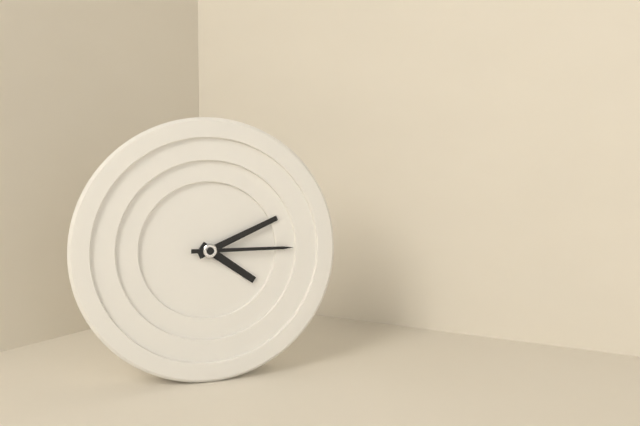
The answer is 4:11:15
